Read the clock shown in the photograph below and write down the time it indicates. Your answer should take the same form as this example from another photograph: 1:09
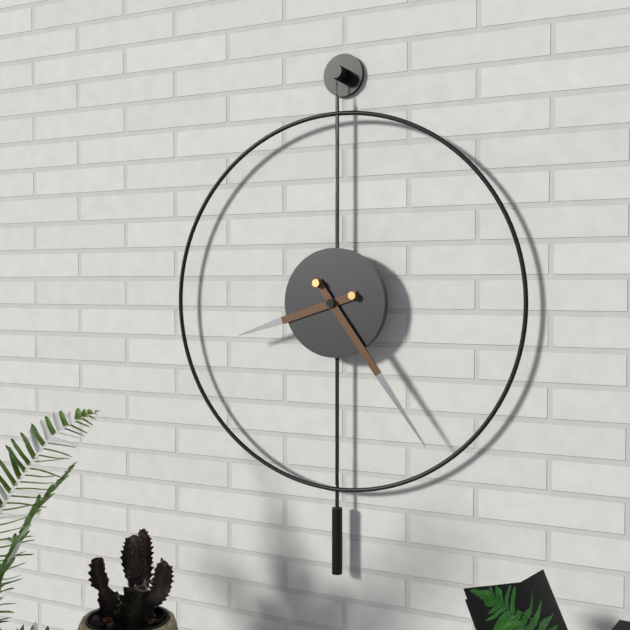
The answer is 8:24
